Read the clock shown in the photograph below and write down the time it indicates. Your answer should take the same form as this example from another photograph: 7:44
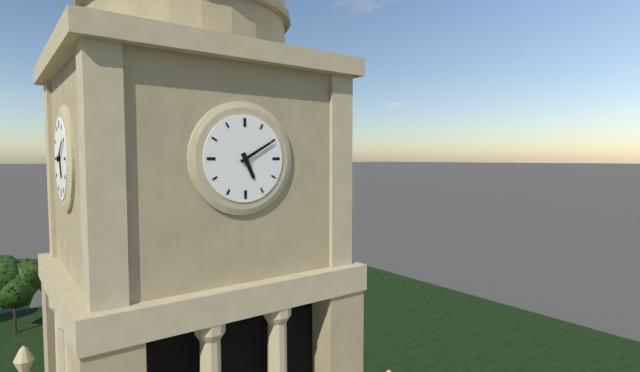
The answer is 5:10
